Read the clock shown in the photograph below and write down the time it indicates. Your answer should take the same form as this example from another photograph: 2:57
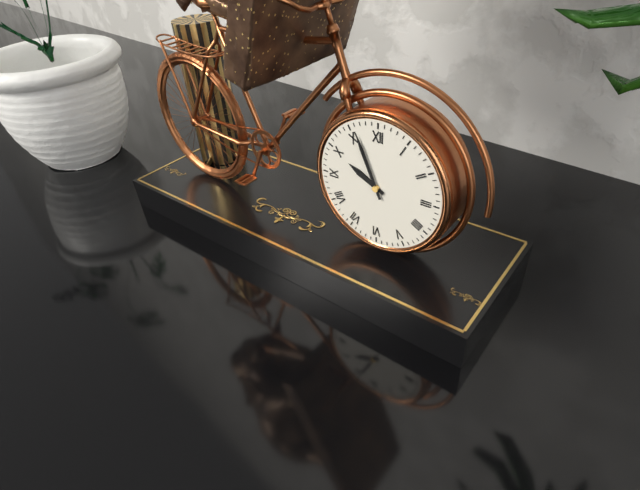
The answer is 9:56
